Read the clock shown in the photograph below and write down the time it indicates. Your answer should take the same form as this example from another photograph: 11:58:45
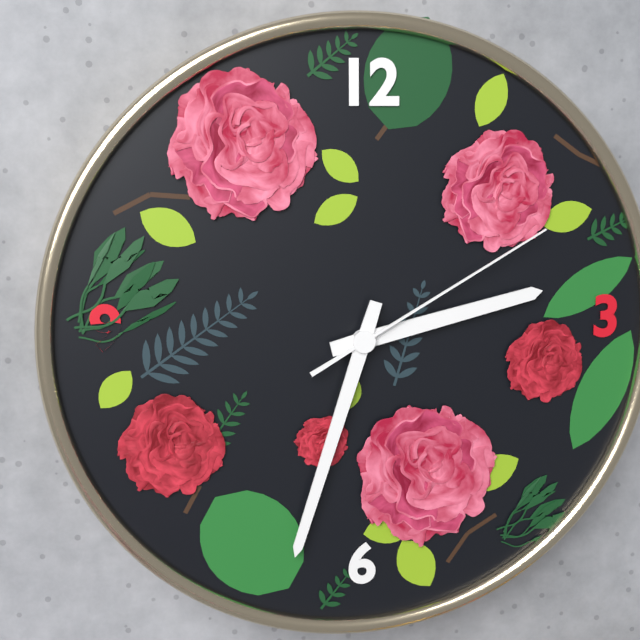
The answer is 2:33:10
